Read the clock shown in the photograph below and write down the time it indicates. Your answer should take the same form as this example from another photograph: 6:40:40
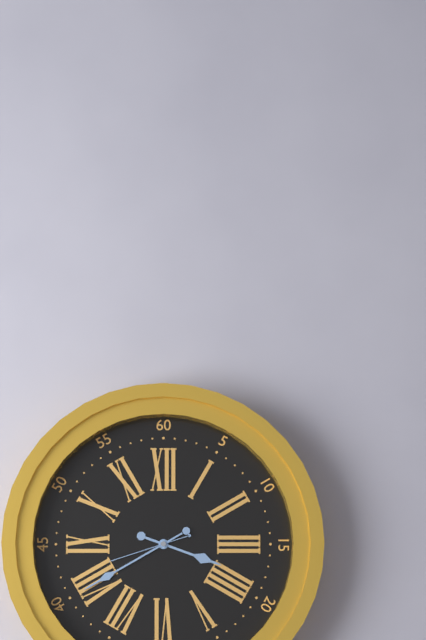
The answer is 3:40:42
